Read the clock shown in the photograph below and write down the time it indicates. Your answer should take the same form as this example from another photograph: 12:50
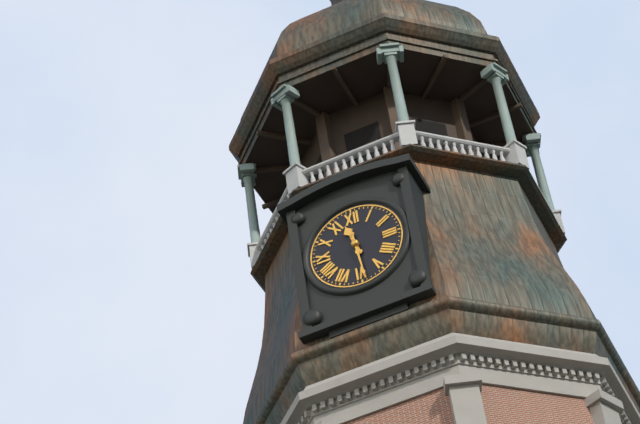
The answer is 11:29
